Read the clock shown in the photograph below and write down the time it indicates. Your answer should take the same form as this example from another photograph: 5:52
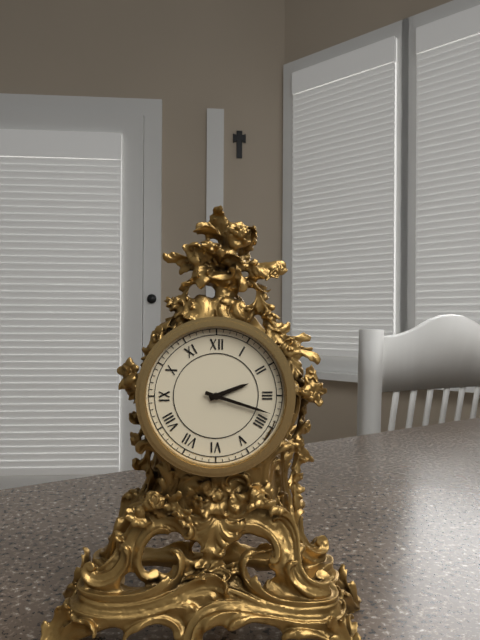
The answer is 2:18
